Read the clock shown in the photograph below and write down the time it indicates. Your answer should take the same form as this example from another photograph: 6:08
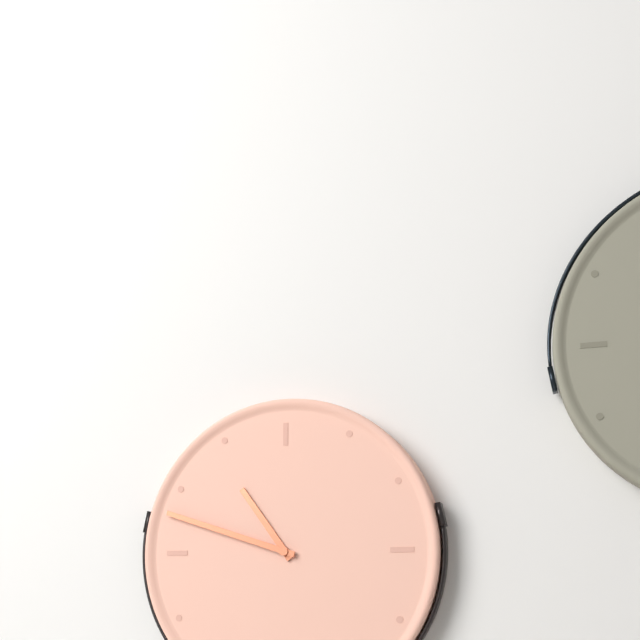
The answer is 10:48
